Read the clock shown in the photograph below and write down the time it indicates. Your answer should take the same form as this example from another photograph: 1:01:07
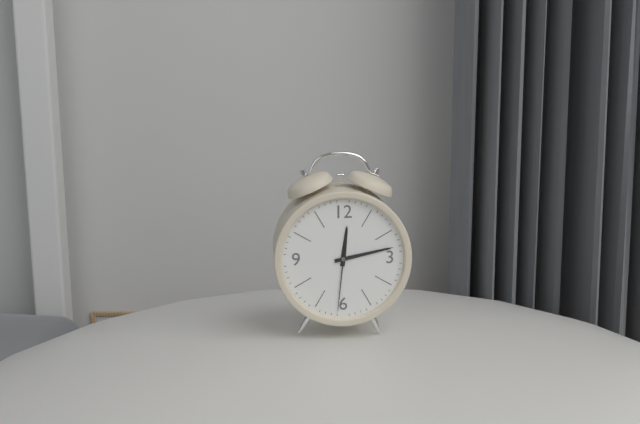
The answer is 12:13:31
